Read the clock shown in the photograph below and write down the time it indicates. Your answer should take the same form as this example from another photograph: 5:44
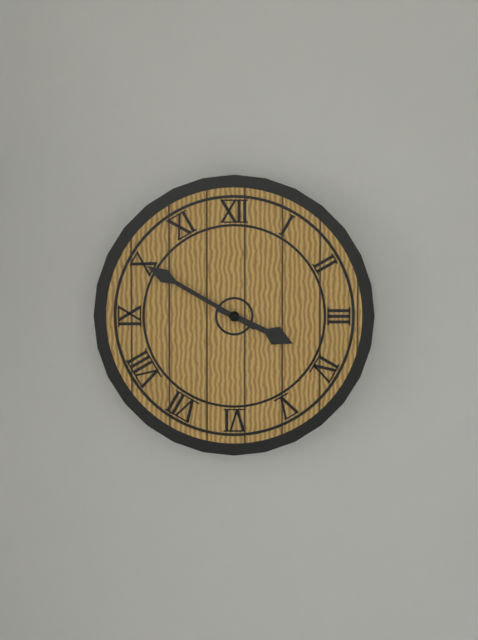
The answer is 3:50
